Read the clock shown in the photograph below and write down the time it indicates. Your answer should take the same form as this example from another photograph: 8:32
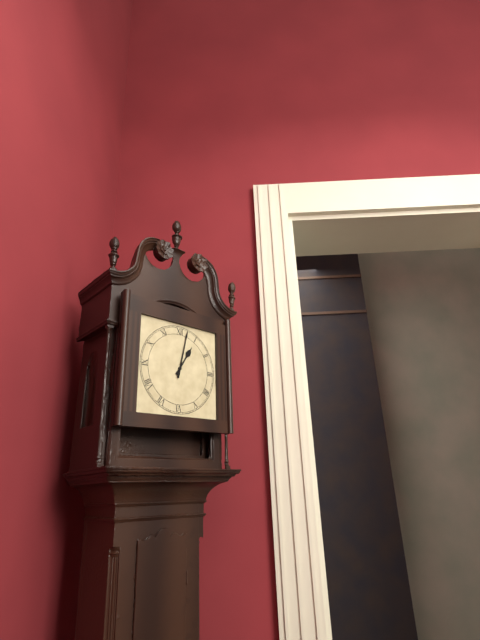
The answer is 1:02
